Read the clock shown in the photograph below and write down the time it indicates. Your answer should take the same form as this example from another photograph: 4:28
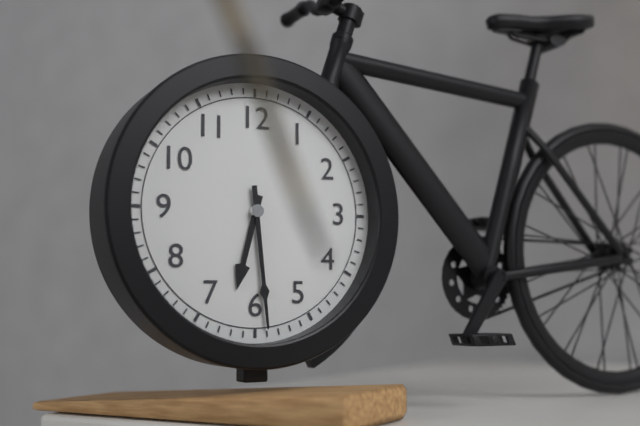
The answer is 6:29
